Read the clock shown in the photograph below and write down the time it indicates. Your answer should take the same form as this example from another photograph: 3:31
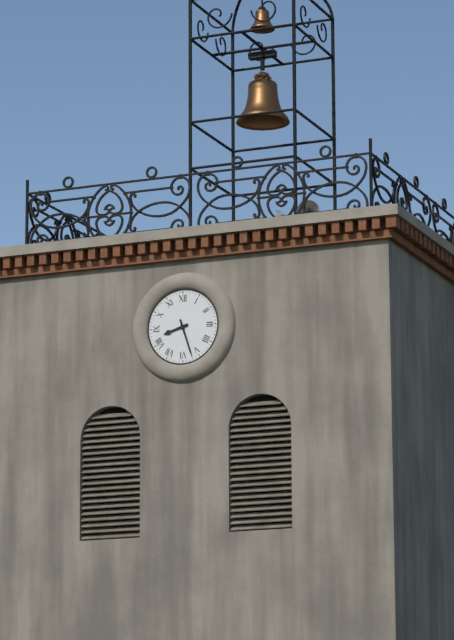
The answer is 8:27
